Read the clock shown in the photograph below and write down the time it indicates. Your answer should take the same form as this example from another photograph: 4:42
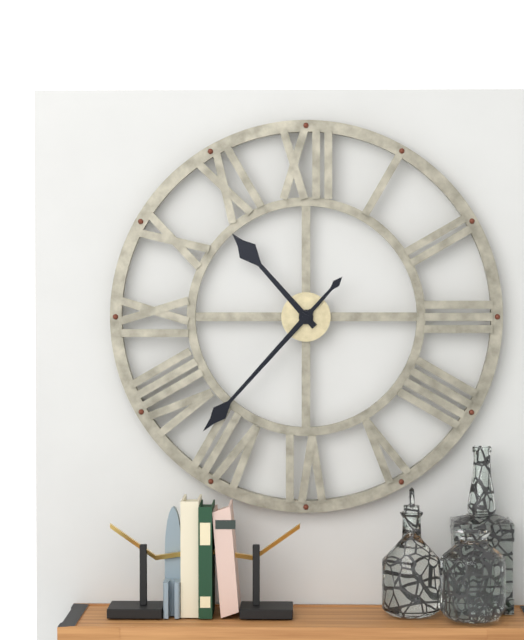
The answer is 10:37
